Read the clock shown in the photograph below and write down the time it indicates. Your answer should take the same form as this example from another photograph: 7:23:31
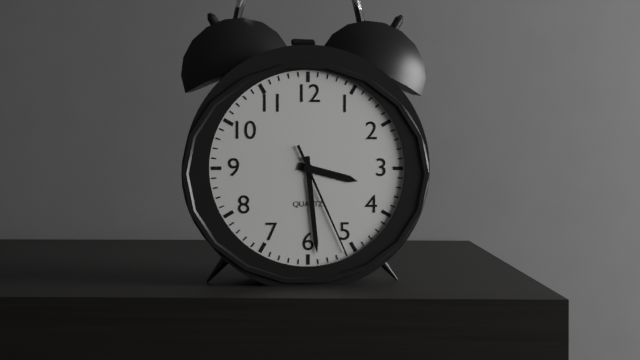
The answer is 3:29:26
